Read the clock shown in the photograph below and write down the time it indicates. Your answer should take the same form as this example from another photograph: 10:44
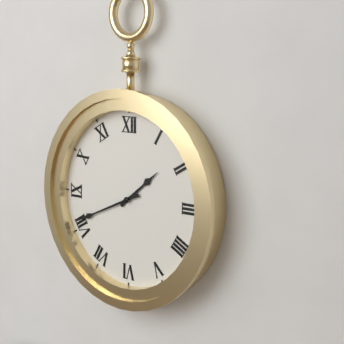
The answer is 1:41
